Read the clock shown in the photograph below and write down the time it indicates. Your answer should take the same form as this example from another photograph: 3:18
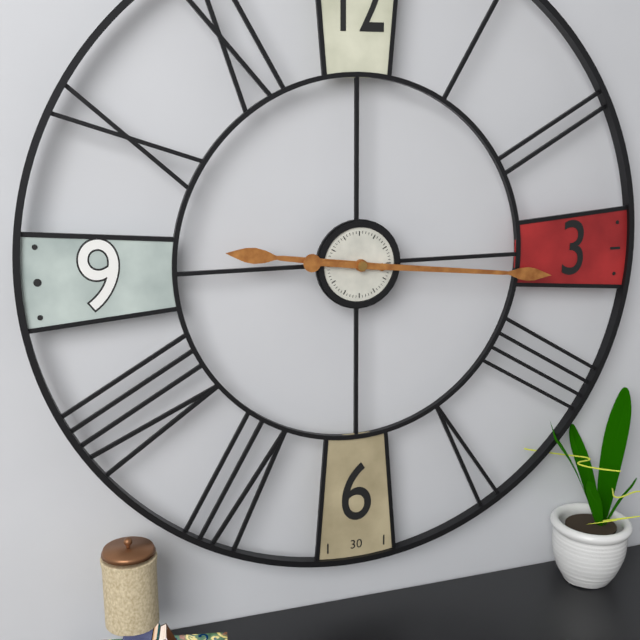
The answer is 9:16
